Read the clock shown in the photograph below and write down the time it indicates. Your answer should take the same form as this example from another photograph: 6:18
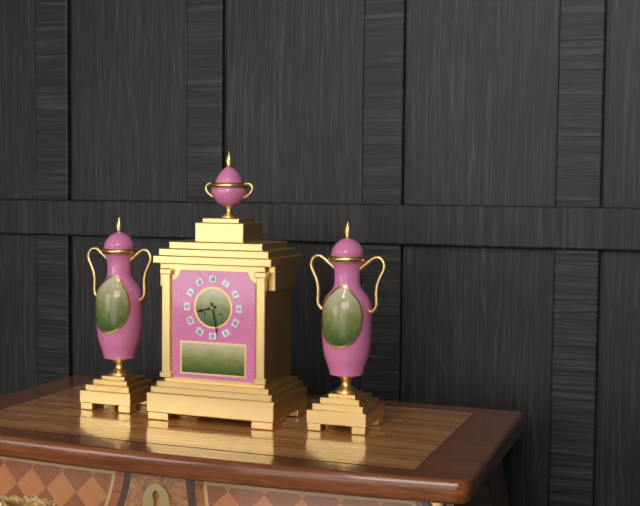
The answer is 8:28
